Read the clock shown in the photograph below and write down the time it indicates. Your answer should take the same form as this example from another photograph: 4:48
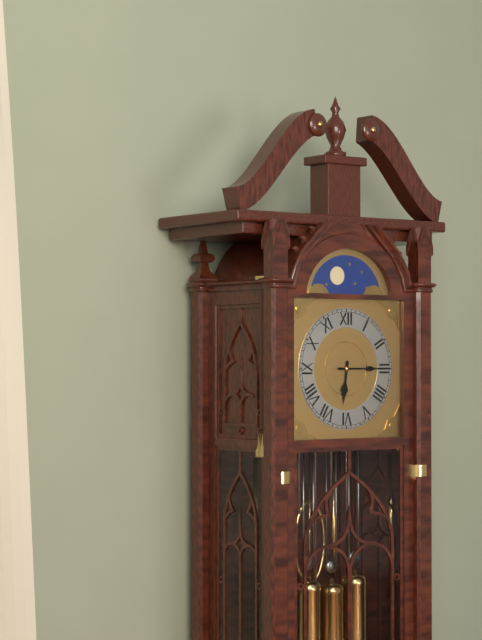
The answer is 6:15
